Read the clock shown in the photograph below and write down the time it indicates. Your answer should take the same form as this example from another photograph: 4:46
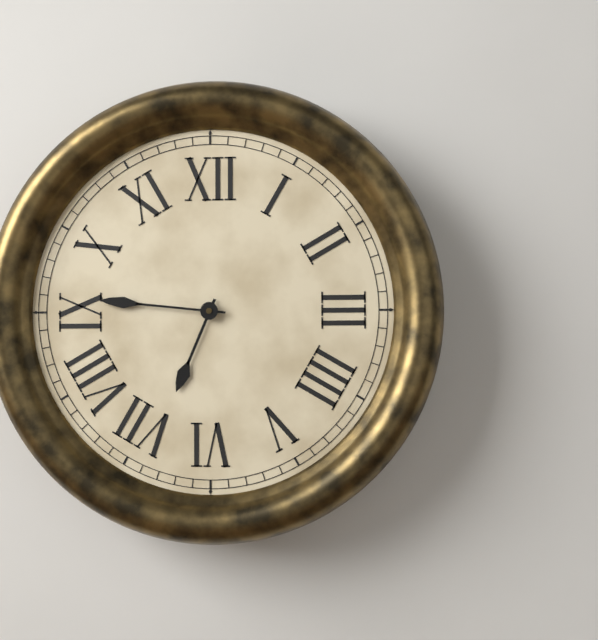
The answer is 6:46
